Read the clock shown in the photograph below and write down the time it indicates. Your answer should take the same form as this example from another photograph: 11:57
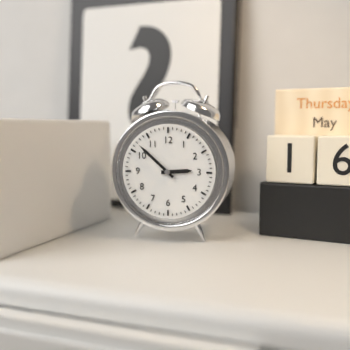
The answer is 2:52
